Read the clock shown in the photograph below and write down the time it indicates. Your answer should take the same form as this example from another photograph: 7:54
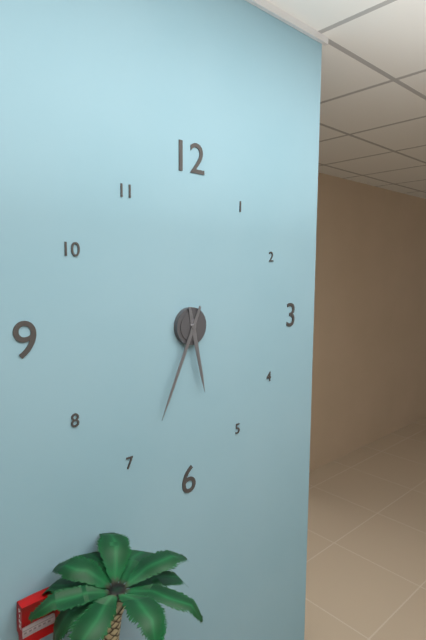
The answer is 5:34
